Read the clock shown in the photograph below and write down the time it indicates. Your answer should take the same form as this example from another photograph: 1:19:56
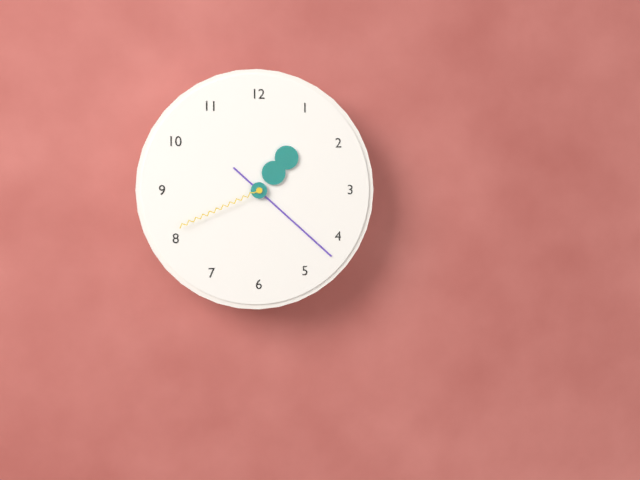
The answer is 1:22:41
